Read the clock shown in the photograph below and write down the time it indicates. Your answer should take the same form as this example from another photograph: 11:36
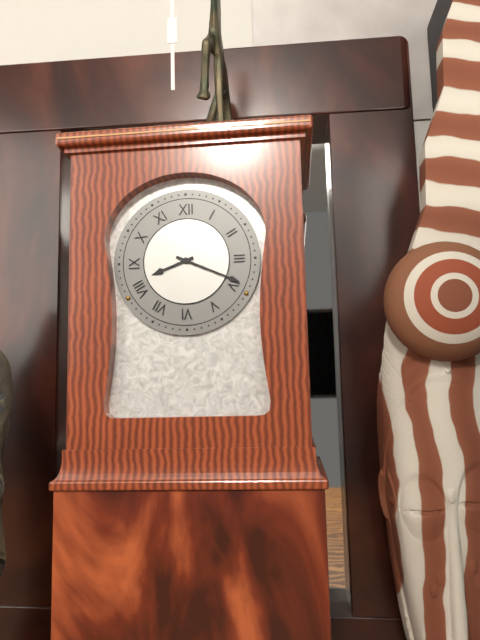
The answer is 8:19
